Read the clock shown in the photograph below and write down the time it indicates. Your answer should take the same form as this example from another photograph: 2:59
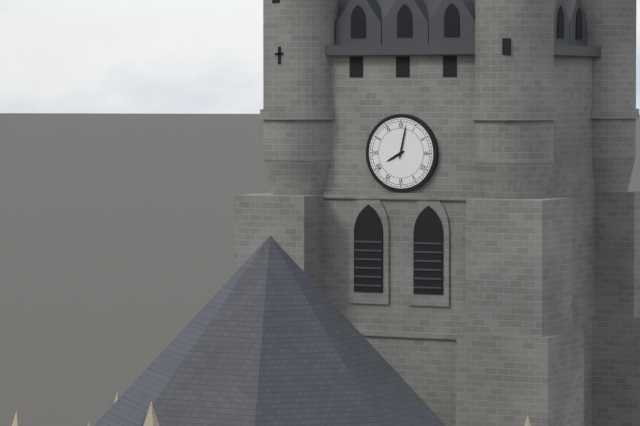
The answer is 8:02
